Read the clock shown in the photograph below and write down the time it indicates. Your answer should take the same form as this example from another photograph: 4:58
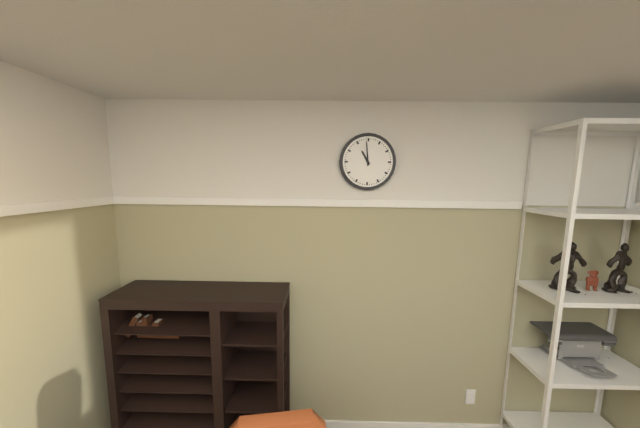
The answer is 10:59
